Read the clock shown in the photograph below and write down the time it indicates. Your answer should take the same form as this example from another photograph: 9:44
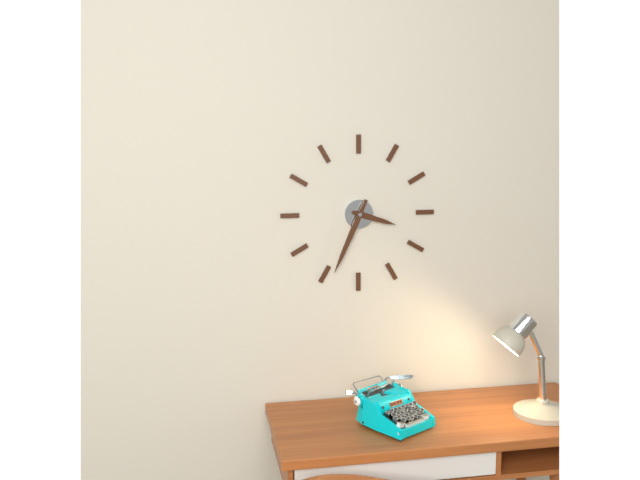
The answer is 3:34
